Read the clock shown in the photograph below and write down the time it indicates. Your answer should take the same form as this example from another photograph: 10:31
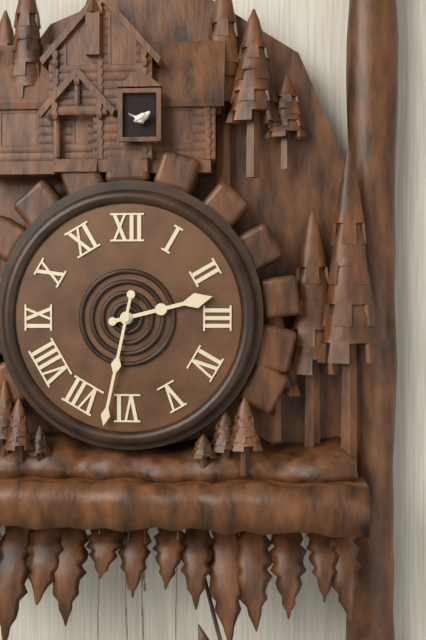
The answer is 2:32
